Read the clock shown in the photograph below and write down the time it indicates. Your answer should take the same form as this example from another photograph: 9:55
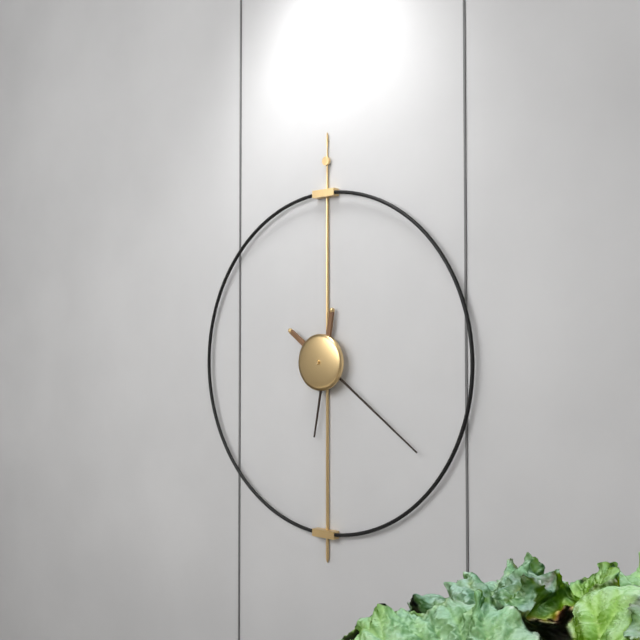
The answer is 6:21
